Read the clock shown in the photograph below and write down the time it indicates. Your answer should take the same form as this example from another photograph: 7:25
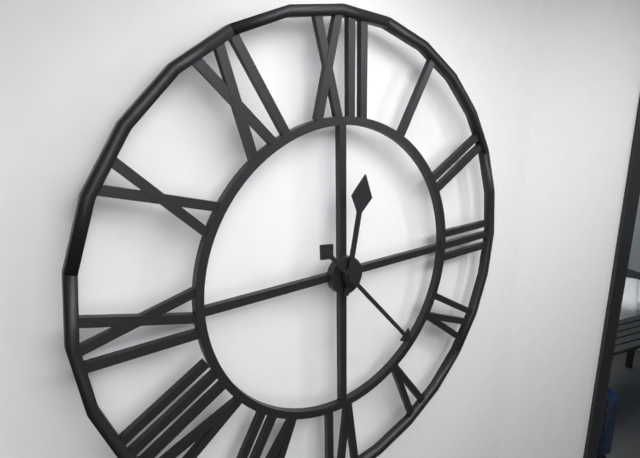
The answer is 12:23
